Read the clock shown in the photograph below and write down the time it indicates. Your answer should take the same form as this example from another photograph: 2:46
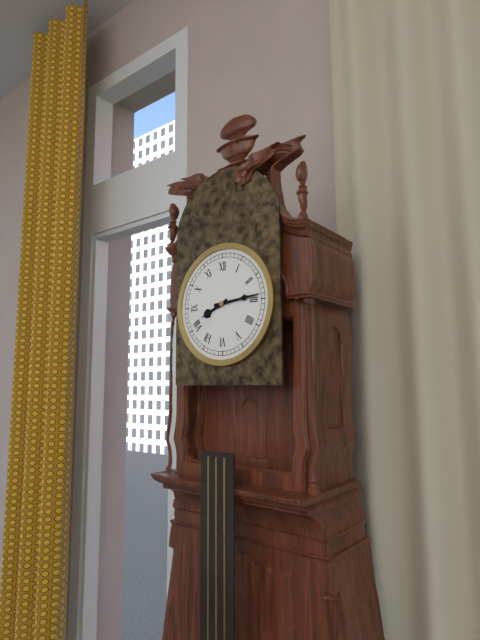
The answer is 8:14
